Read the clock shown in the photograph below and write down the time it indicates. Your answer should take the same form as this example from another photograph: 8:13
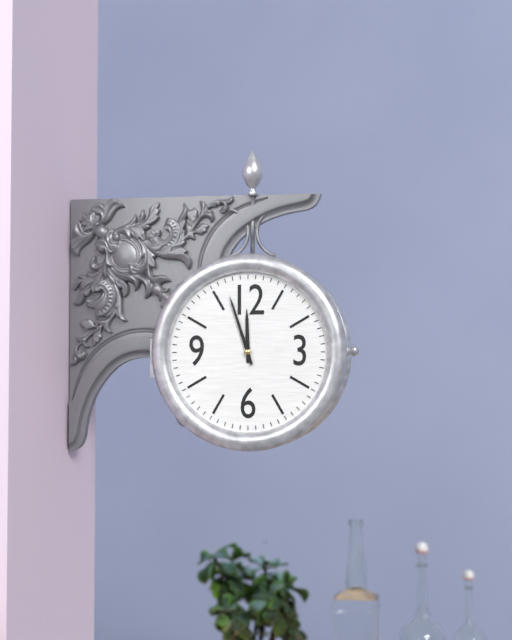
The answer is 11:57
